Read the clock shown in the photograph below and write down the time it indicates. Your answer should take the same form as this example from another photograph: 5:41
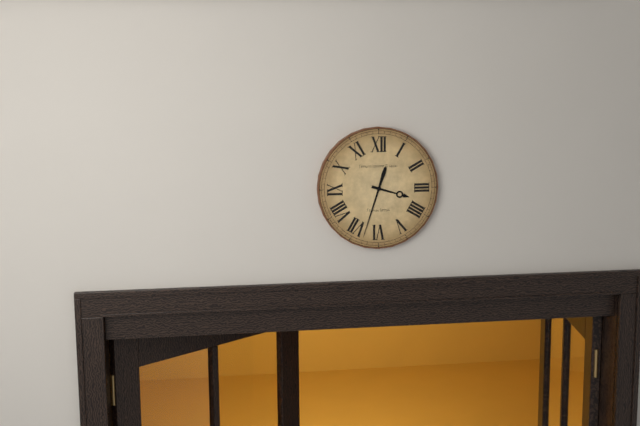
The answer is 3:33
